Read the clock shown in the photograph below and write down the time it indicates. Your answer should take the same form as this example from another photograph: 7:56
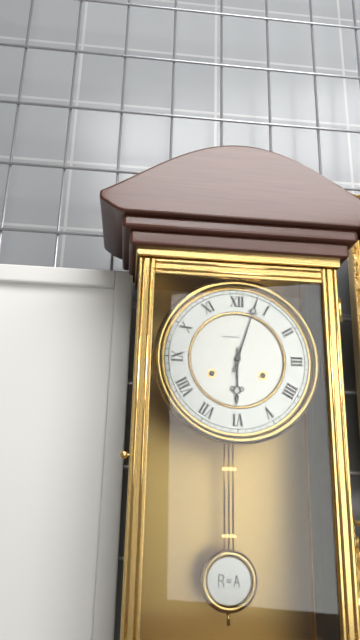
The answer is 6:03
